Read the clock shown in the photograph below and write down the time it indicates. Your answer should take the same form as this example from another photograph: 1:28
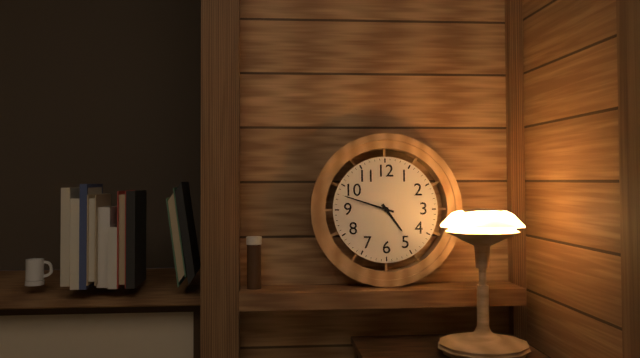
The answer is 4:48
